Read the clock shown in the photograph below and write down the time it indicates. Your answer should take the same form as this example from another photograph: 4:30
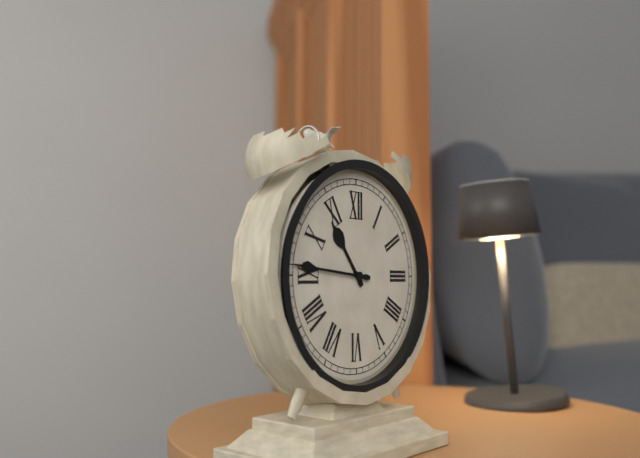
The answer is 10:46
